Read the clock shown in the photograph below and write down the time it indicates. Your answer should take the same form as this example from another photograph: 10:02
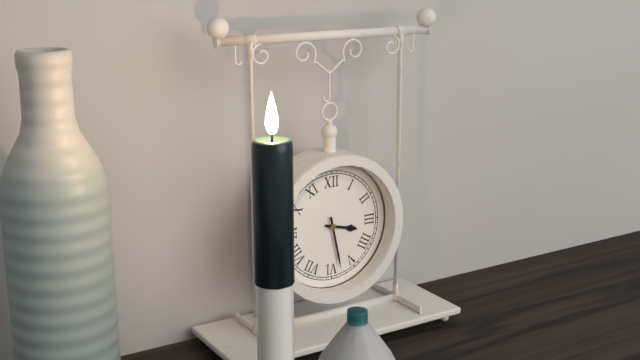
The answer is 3:28
